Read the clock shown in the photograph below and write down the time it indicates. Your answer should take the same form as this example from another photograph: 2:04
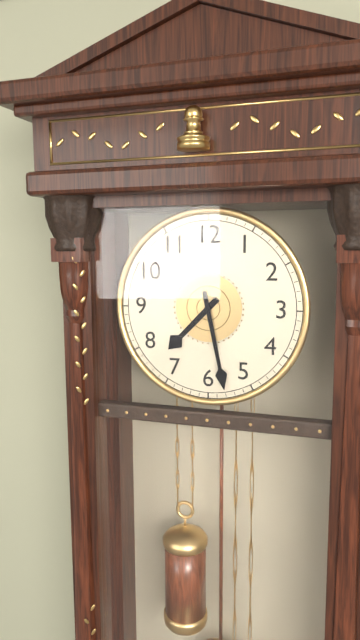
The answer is 7:28
